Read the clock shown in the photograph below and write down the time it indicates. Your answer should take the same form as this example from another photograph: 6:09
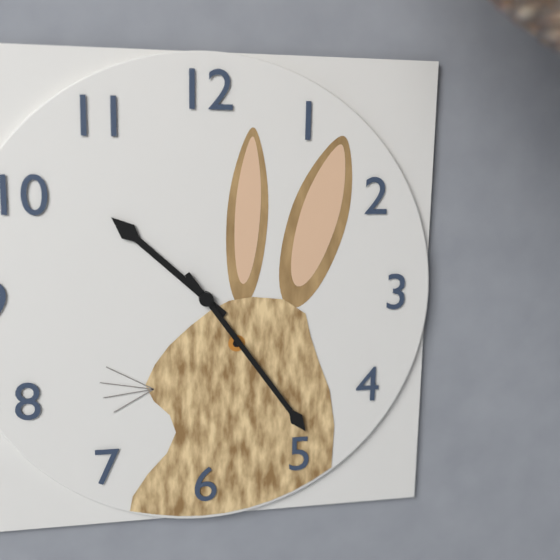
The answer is 10:24
